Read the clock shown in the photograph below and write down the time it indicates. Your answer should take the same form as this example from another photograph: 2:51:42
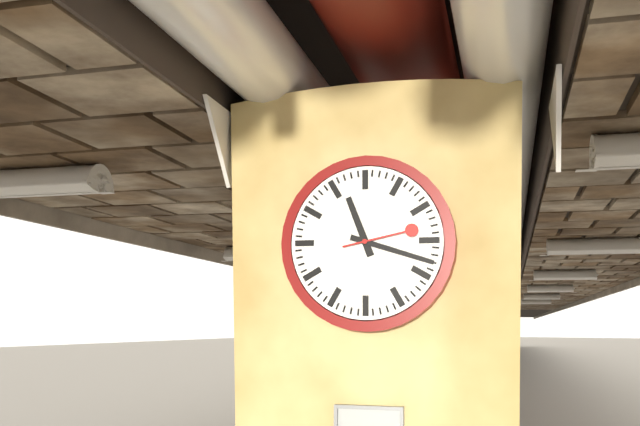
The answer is 11:18:13
